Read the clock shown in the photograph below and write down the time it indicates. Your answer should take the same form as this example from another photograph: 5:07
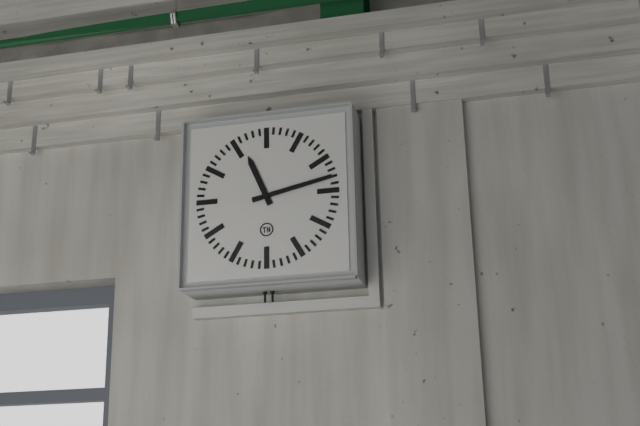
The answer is 11:13
